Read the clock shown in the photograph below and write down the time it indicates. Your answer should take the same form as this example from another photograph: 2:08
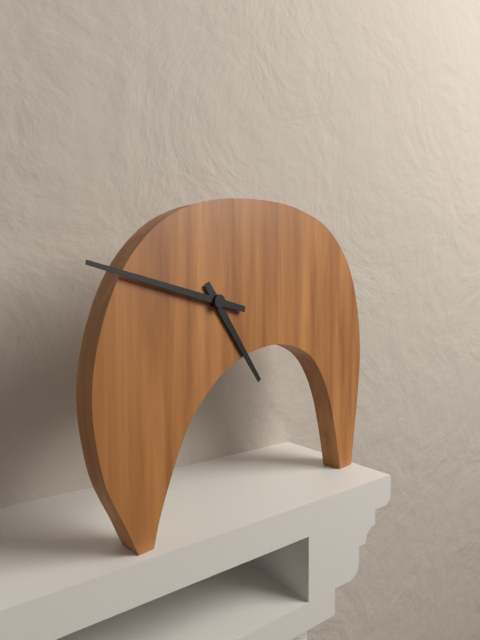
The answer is 4:47
